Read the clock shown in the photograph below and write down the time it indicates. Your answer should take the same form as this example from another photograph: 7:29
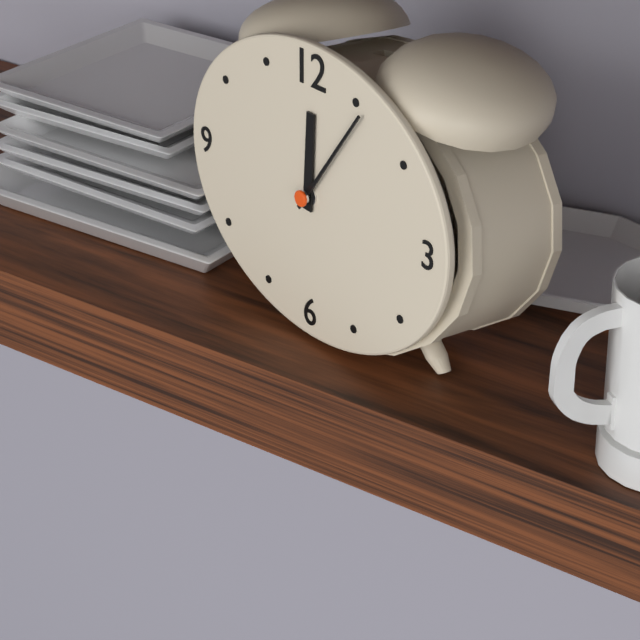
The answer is 12:06
